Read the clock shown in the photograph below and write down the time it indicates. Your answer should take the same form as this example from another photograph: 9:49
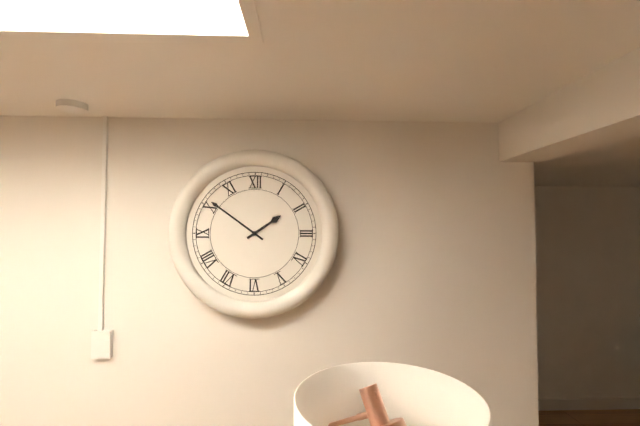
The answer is 1:51
